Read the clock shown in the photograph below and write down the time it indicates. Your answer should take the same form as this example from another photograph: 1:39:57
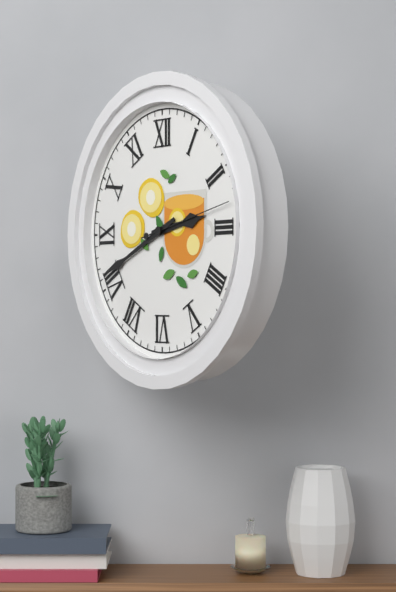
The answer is 2:41:13
